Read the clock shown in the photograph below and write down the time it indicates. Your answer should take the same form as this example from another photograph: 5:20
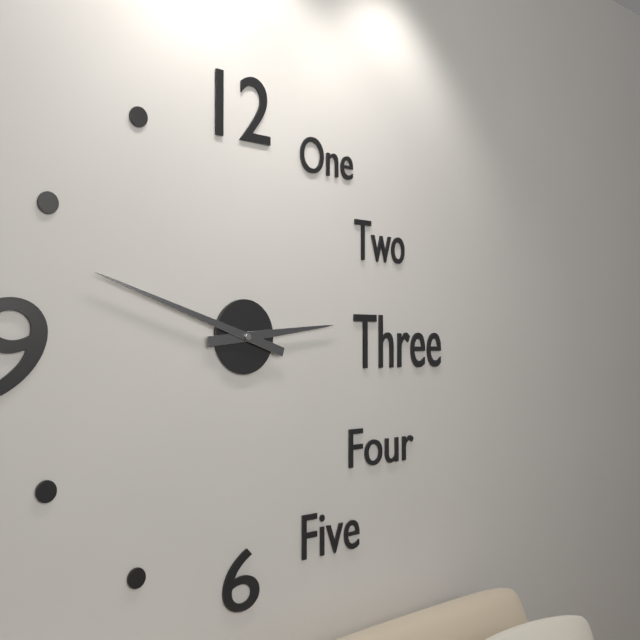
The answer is 2:48
